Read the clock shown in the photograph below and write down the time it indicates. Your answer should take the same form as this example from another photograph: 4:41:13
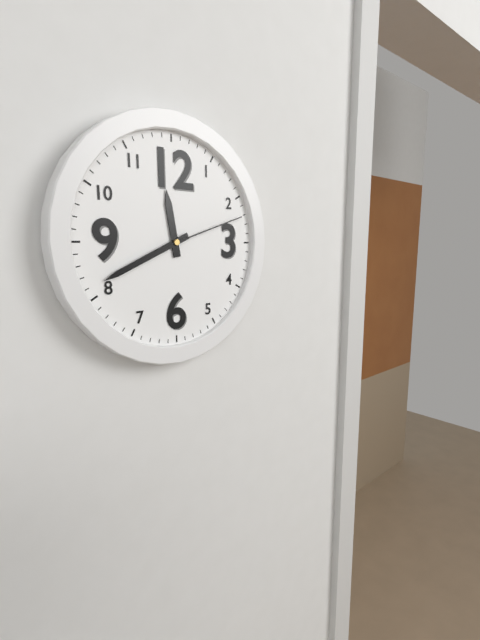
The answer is 11:41:12
